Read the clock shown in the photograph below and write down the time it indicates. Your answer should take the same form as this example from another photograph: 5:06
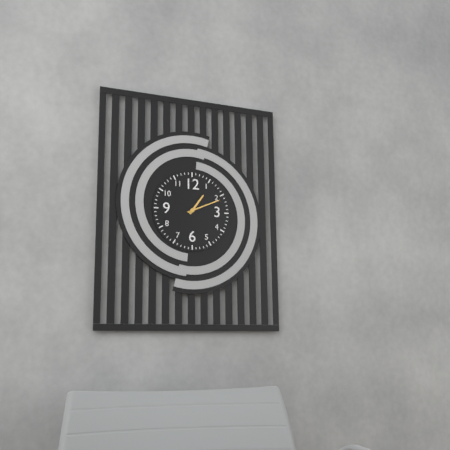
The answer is 1:11
